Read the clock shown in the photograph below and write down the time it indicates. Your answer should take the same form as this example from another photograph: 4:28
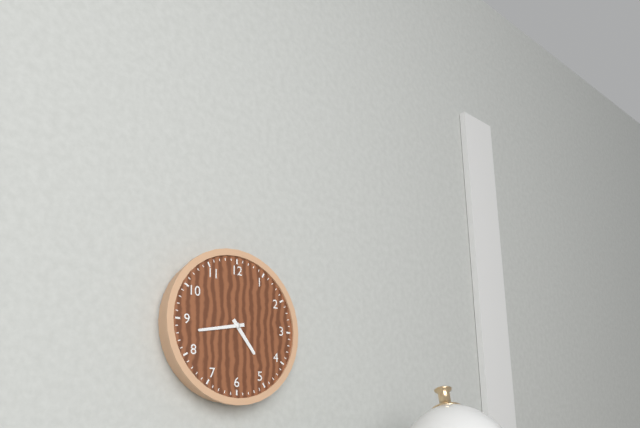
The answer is 4:43
